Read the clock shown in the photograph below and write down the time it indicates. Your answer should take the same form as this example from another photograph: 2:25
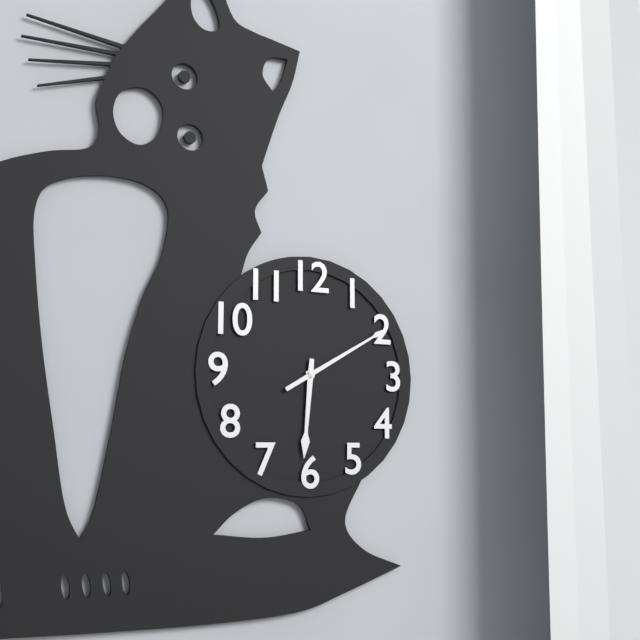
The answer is 6:10
